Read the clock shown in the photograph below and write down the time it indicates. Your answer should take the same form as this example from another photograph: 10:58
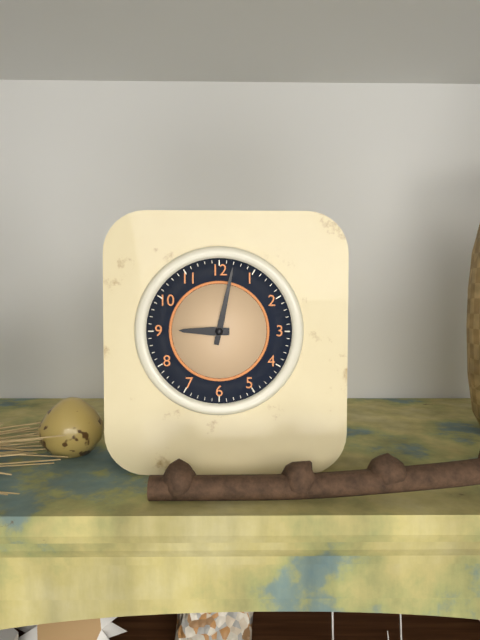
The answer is 9:02
